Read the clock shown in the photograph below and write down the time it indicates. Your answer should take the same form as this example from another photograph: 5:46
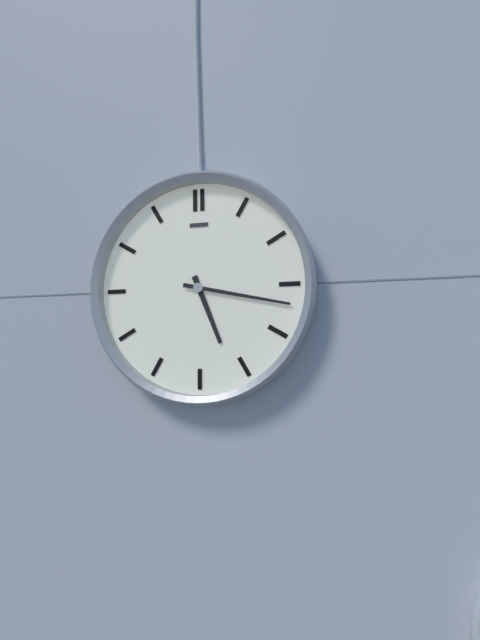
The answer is 5:17
